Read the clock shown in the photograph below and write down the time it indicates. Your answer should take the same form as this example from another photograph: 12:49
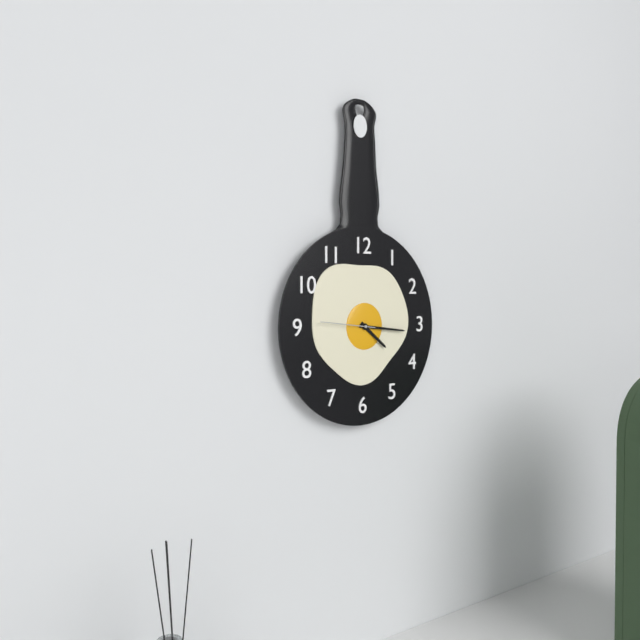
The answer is 4:16
